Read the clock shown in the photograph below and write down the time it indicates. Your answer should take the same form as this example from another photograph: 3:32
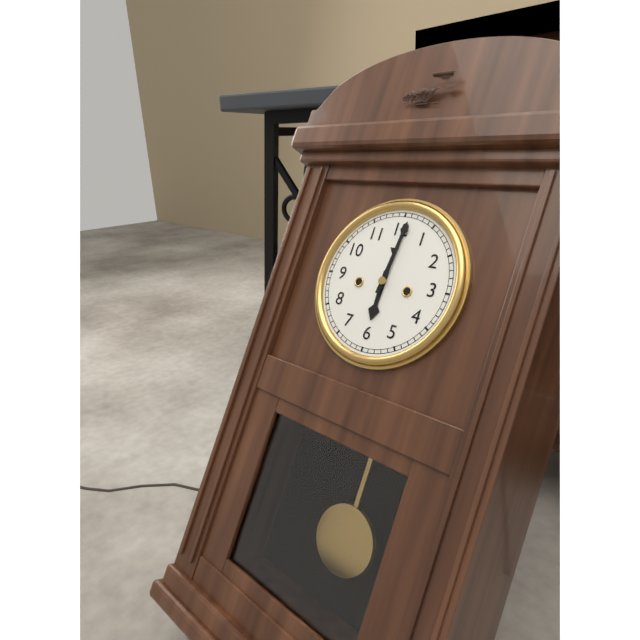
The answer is 6:01
